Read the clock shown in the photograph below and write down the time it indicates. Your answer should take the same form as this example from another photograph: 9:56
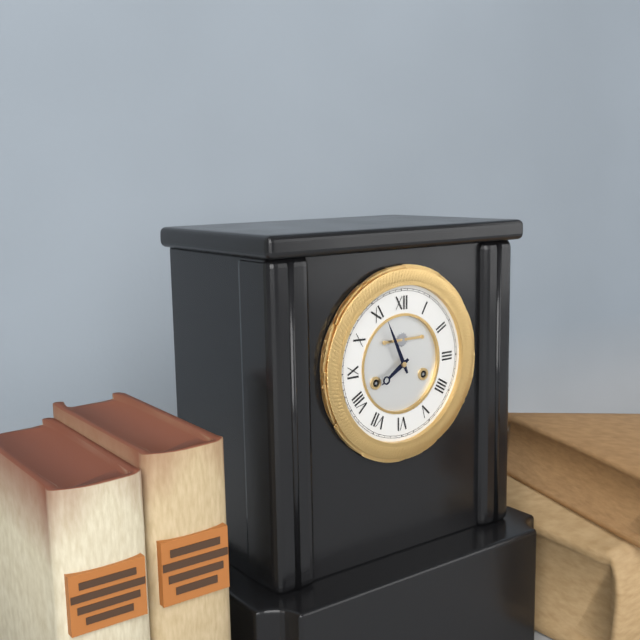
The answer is 7:56
